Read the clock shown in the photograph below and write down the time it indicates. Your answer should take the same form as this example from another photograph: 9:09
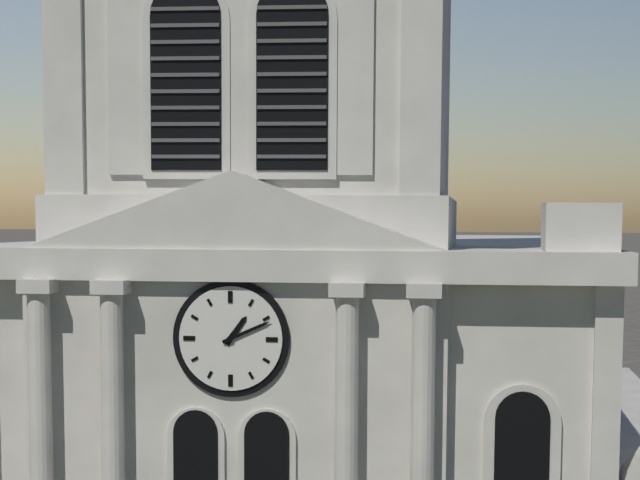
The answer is 1:11
